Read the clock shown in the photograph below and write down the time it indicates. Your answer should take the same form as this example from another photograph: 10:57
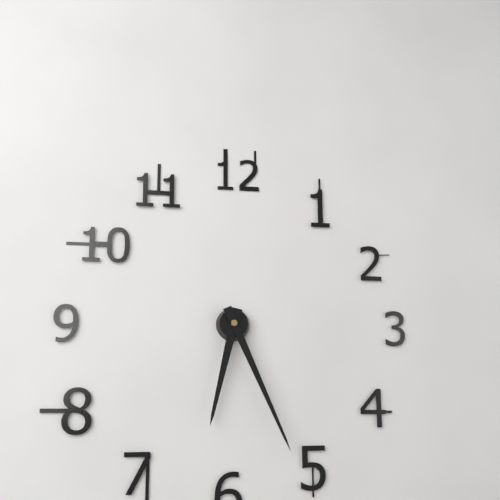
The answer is 6:26
